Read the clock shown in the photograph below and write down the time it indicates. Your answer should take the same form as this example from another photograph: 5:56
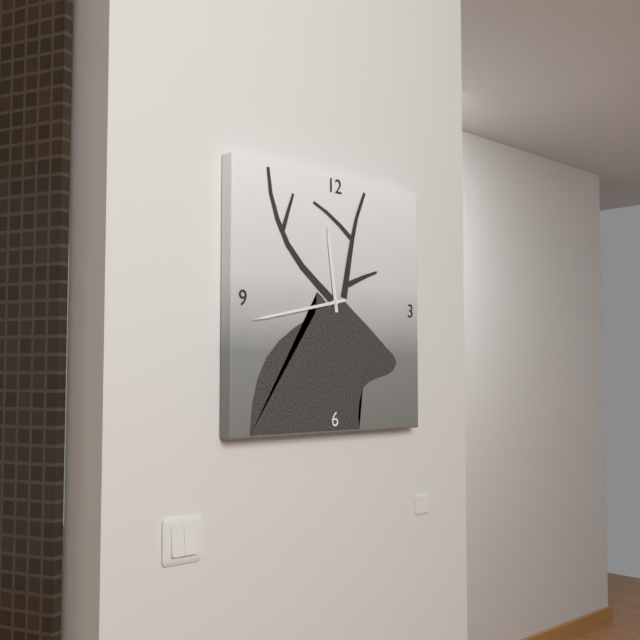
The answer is 11:43
